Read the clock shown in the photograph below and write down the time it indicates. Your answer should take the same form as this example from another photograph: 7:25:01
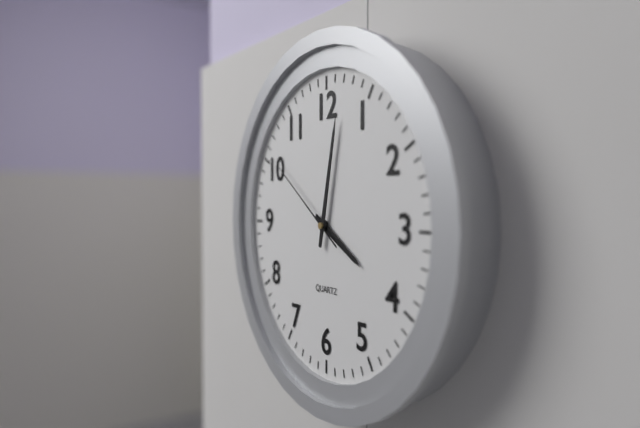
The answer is 4:02:51
